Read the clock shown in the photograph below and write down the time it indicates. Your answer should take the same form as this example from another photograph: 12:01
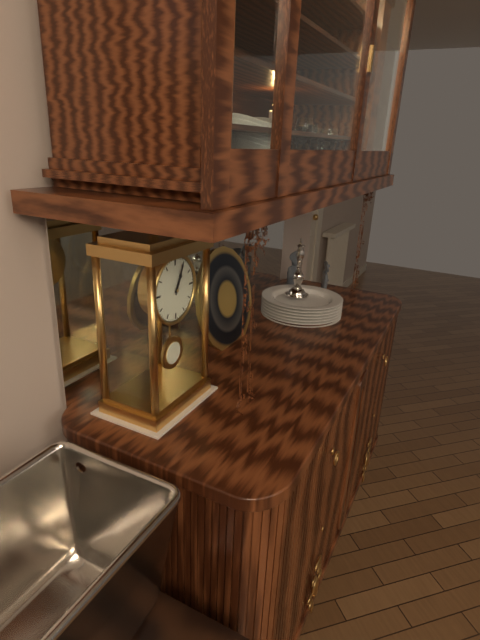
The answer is 1:04
